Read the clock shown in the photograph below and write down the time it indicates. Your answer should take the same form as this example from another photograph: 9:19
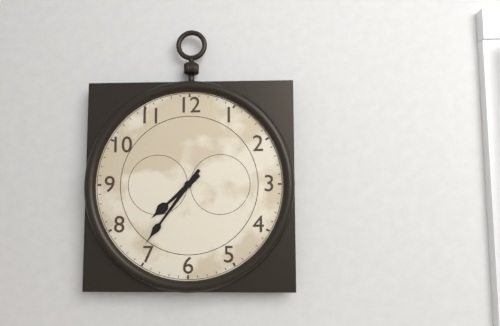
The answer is 7:36
